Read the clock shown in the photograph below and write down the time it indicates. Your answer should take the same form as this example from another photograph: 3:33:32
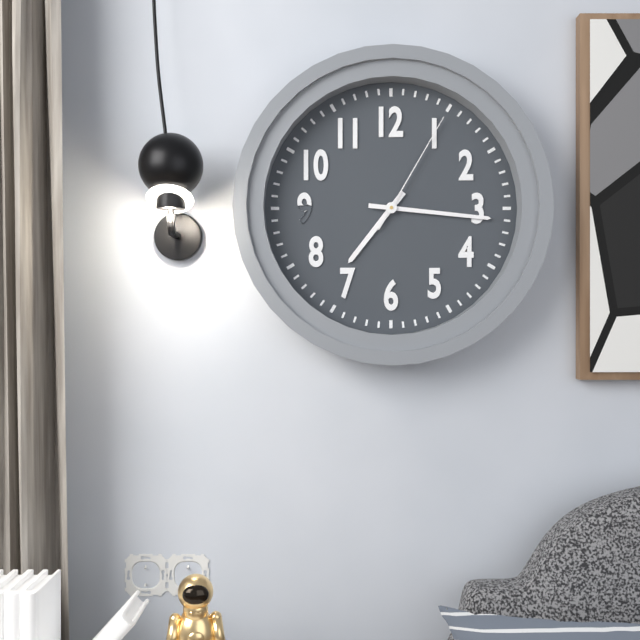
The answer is 7:16:05
